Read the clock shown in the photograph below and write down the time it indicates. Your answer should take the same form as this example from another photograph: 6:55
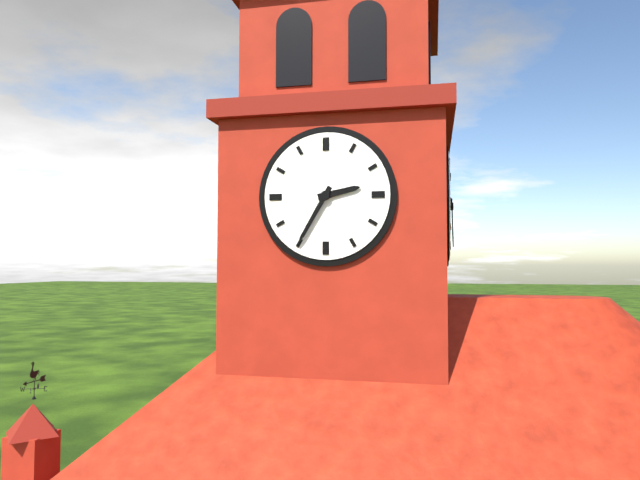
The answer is 2:35
